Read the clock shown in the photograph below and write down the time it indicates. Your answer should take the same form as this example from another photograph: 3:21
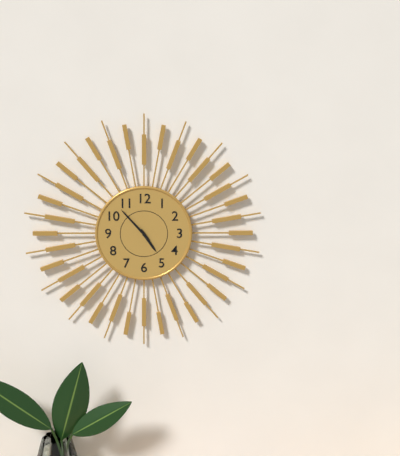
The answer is 4:53
